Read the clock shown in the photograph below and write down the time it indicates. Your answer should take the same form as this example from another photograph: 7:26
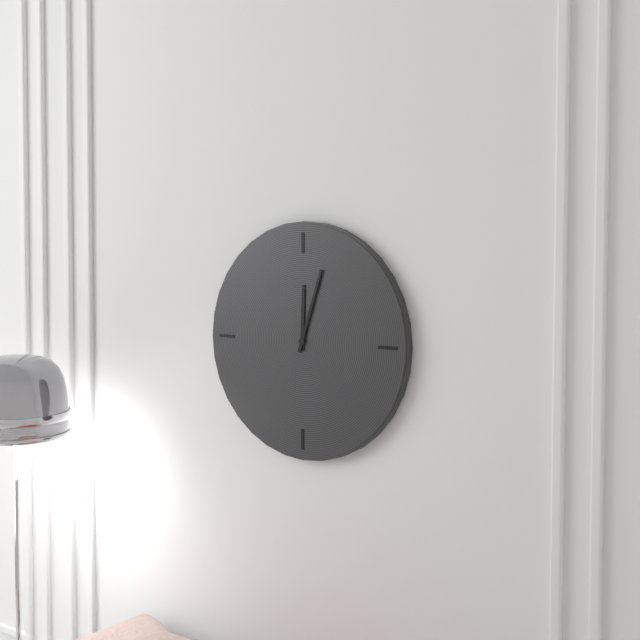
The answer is 12:03
